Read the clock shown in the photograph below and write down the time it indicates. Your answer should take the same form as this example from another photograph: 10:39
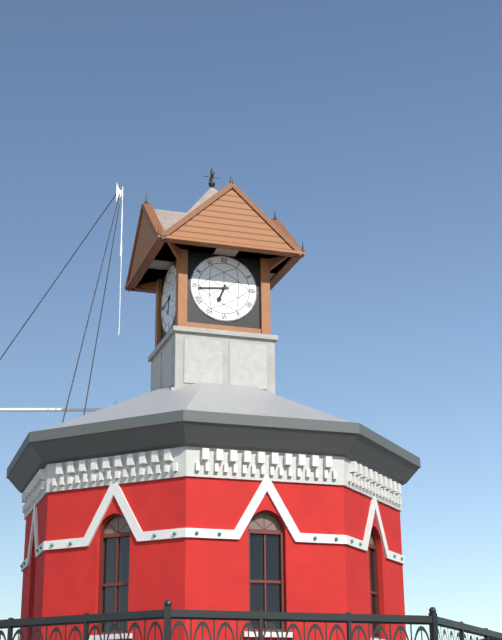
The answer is 6:44
